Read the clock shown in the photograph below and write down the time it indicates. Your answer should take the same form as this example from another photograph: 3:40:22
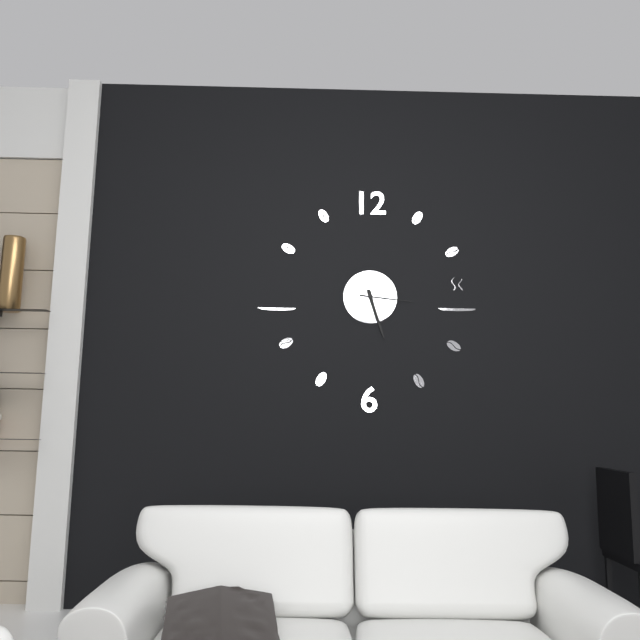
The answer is 5:27:16
